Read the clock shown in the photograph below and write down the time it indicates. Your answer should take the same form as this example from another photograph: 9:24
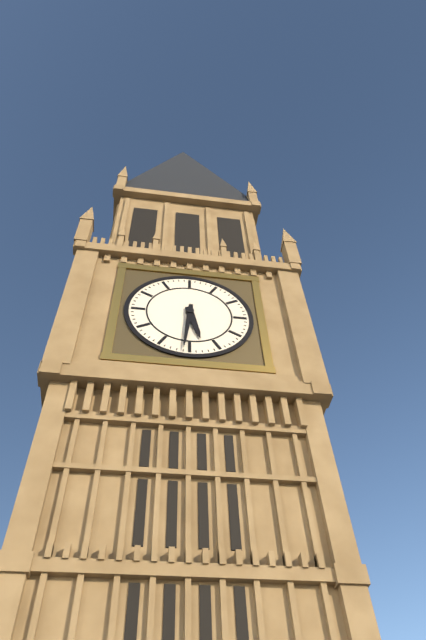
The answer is 5:31
